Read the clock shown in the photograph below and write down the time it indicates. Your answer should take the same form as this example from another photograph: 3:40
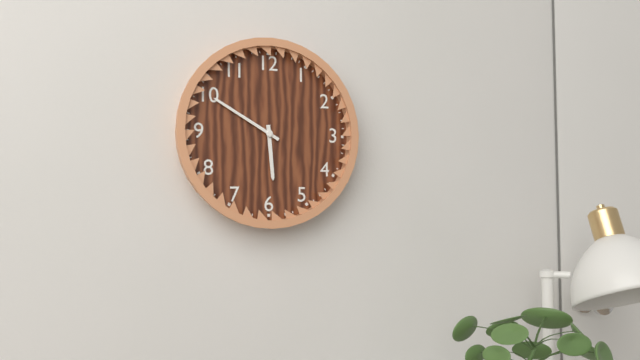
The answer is 5:50
